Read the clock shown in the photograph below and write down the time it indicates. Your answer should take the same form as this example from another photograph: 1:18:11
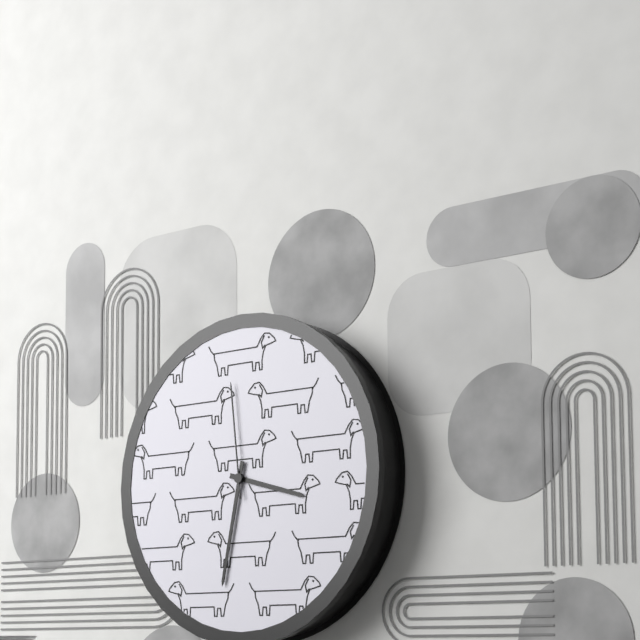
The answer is 3:32:59
